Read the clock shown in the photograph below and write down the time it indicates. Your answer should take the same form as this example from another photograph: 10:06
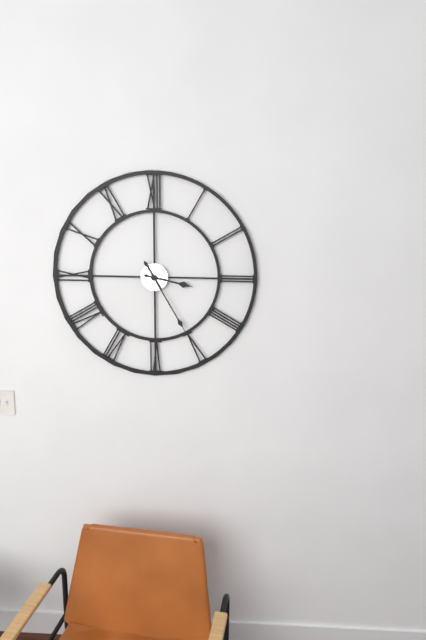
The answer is 3:25
